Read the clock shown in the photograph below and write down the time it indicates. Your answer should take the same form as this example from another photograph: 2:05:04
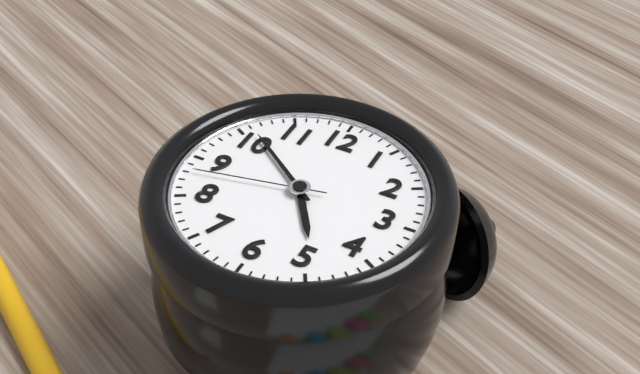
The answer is 4:51:43
